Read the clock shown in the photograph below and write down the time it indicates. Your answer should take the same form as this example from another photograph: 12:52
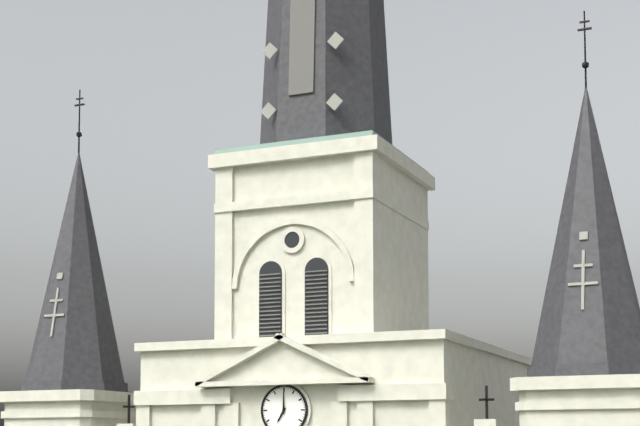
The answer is 7:00
